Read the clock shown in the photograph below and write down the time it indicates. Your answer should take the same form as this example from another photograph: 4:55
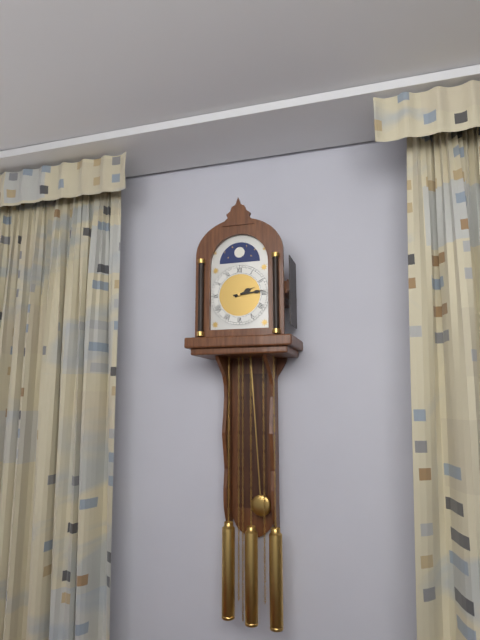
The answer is 2:14
